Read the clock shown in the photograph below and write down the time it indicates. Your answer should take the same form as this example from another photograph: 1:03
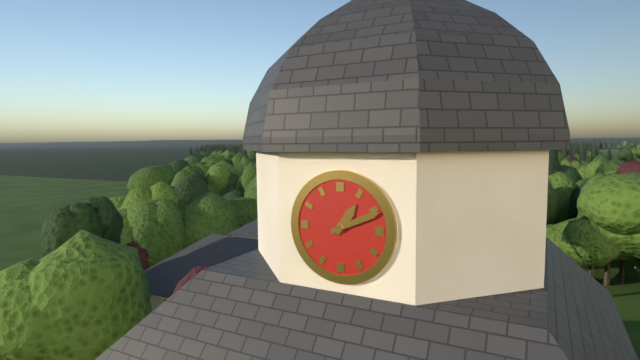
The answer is 1:11
